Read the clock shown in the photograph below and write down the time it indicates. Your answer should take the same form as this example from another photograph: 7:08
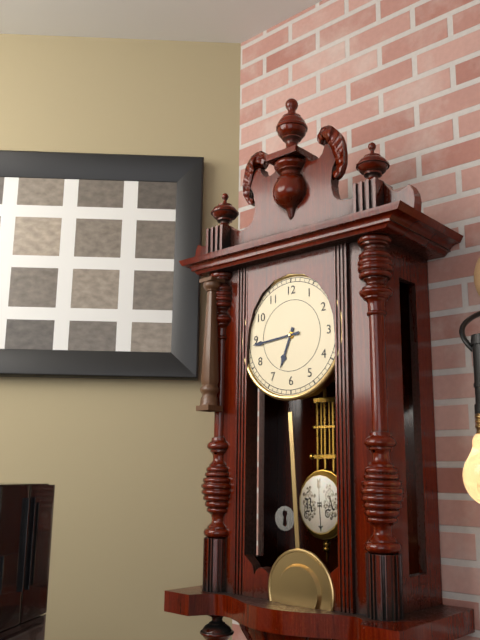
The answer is 6:44
